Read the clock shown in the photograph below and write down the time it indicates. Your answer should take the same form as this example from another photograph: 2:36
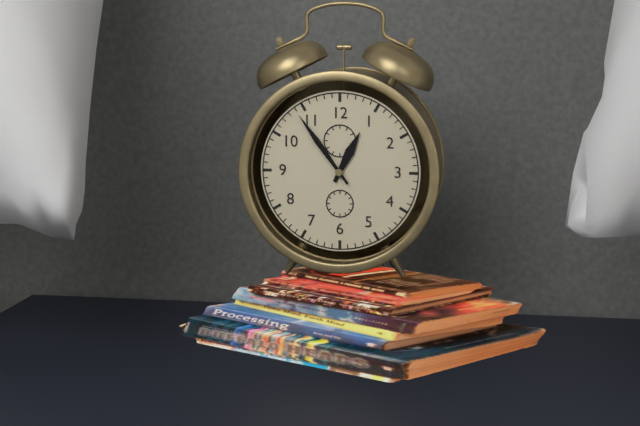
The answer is 12:54
